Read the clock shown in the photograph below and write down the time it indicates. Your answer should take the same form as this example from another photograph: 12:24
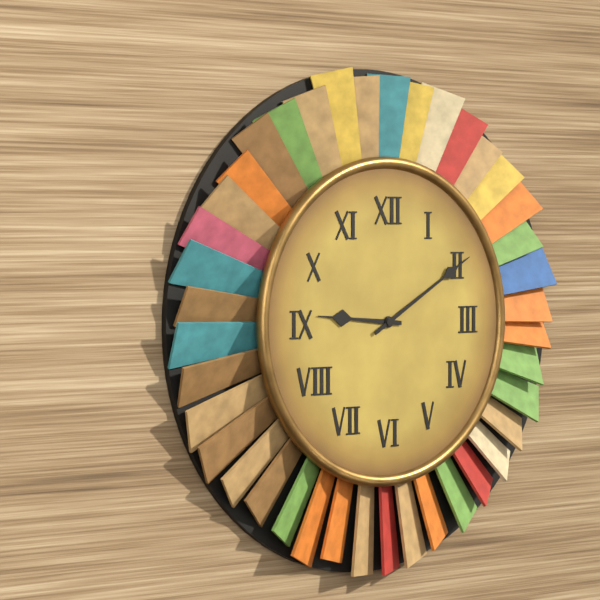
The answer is 9:10
